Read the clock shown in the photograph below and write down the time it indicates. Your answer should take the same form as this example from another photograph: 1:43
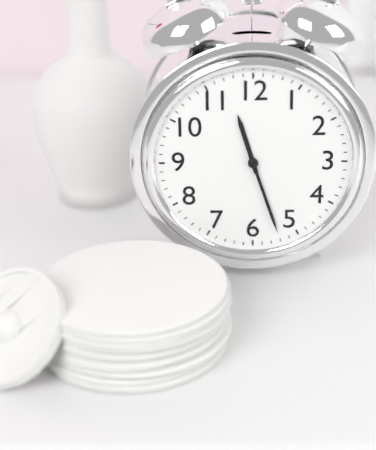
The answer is 11:27
